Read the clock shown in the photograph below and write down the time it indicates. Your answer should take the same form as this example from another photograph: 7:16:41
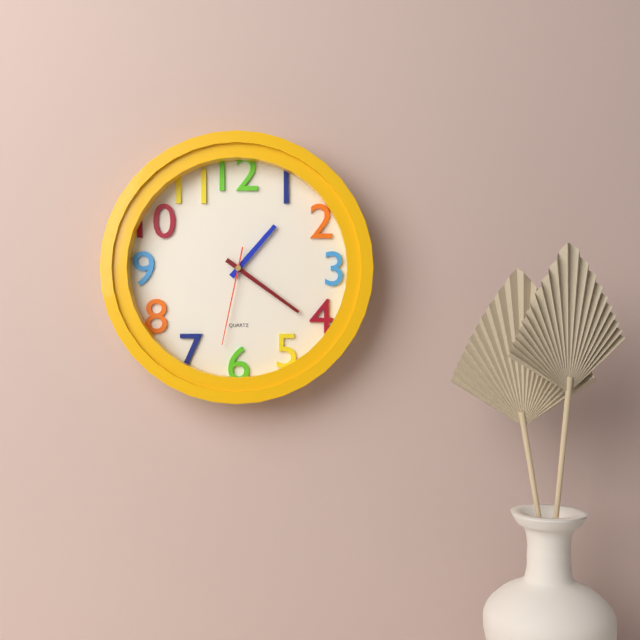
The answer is 1:21:32
